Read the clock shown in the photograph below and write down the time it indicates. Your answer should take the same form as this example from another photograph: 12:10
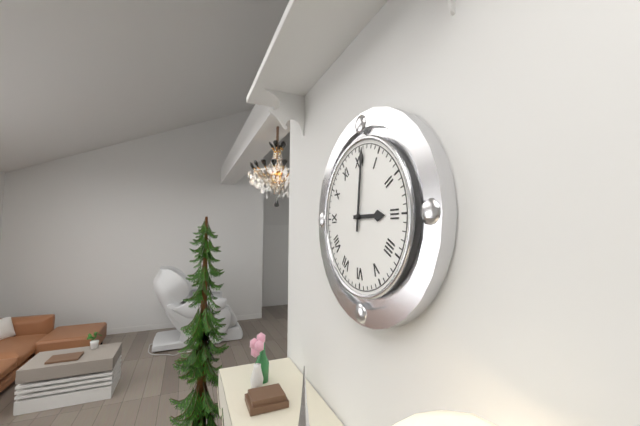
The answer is 3:01
